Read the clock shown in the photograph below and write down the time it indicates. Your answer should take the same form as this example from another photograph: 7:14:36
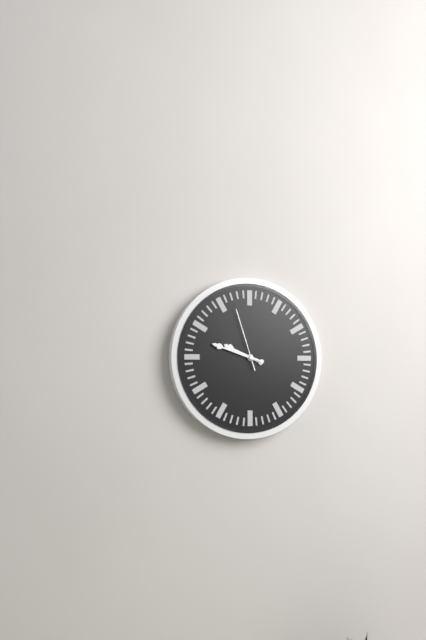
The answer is 9:48:57
